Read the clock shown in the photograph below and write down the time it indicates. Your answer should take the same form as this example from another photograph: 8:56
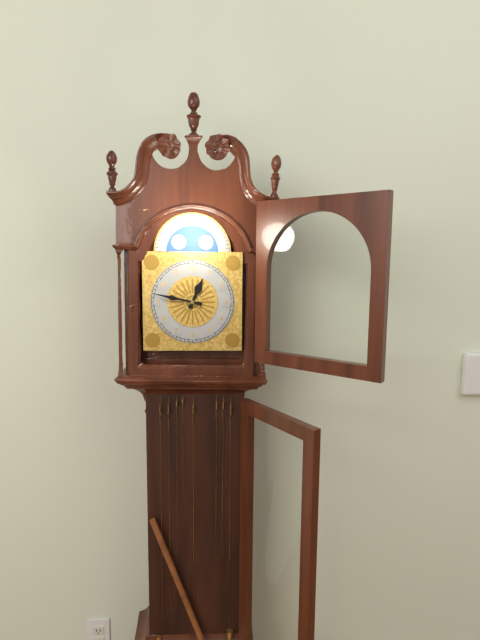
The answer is 12:47
